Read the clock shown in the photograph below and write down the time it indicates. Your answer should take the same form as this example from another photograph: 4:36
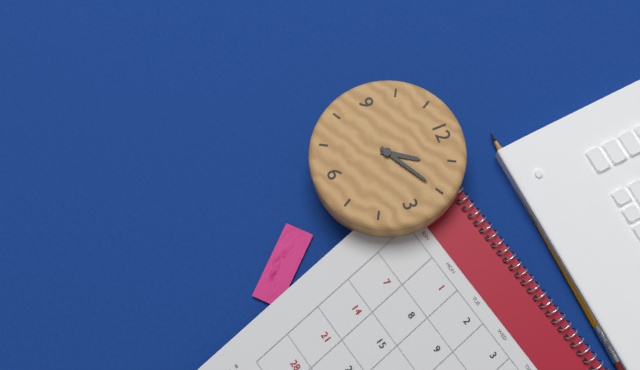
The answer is 1:10
